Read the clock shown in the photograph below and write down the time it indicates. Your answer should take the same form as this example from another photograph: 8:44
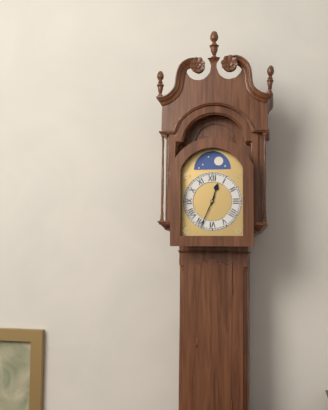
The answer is 12:34
